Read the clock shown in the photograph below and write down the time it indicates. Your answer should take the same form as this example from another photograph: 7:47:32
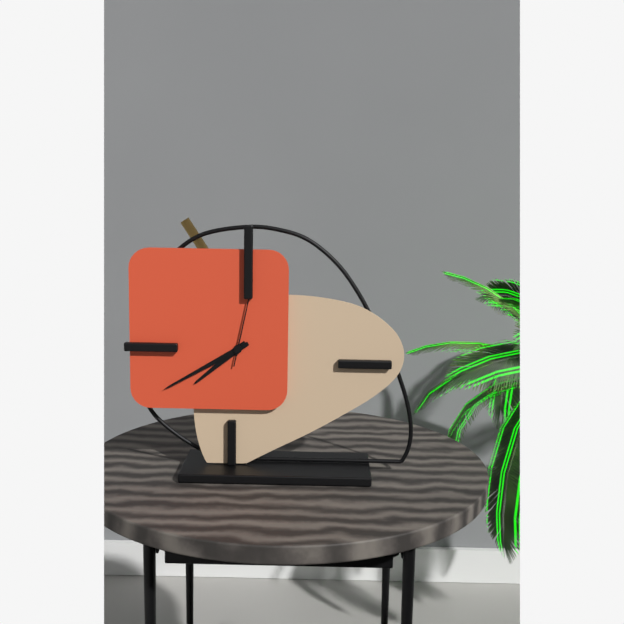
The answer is 7:40:02
